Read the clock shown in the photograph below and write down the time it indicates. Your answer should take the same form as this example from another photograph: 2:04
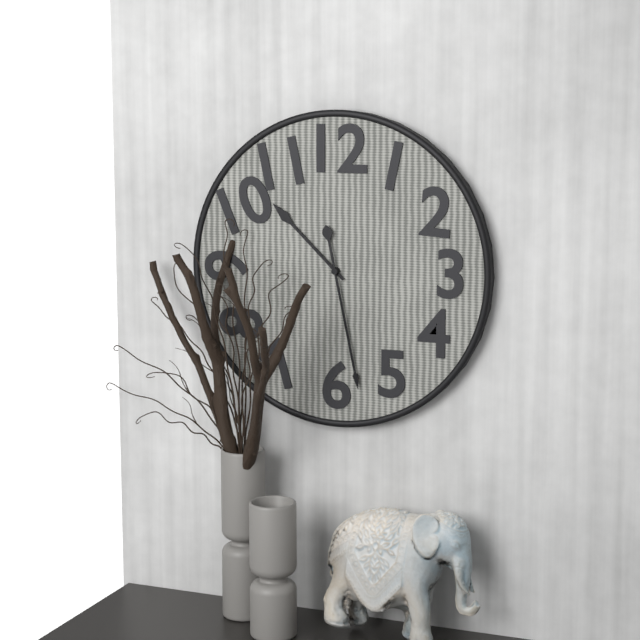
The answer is 10:28
